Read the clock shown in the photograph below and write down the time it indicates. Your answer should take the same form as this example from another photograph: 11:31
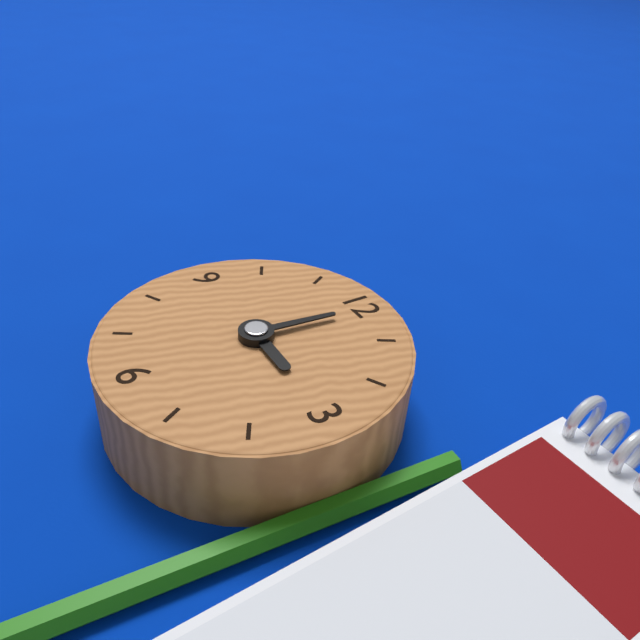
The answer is 3:01
